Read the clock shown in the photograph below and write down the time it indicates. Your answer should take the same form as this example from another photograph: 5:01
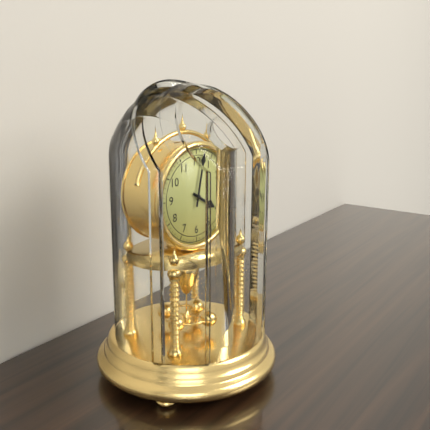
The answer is 4:02
